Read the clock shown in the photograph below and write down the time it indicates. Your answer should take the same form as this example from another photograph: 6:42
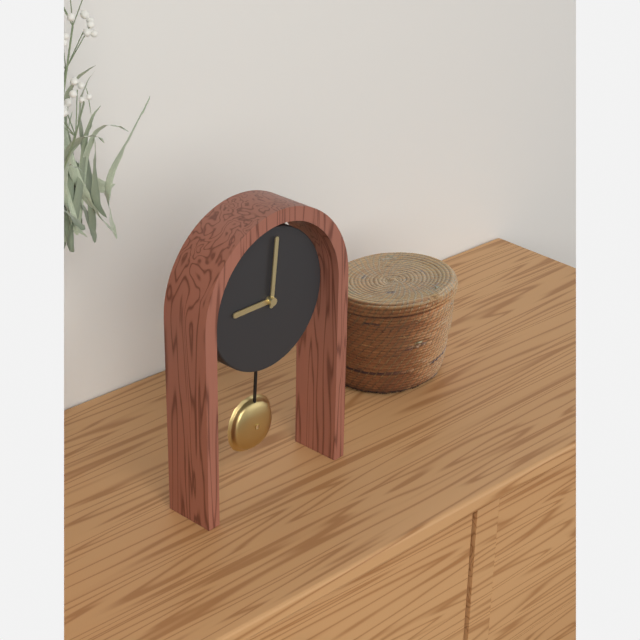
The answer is 9:01
